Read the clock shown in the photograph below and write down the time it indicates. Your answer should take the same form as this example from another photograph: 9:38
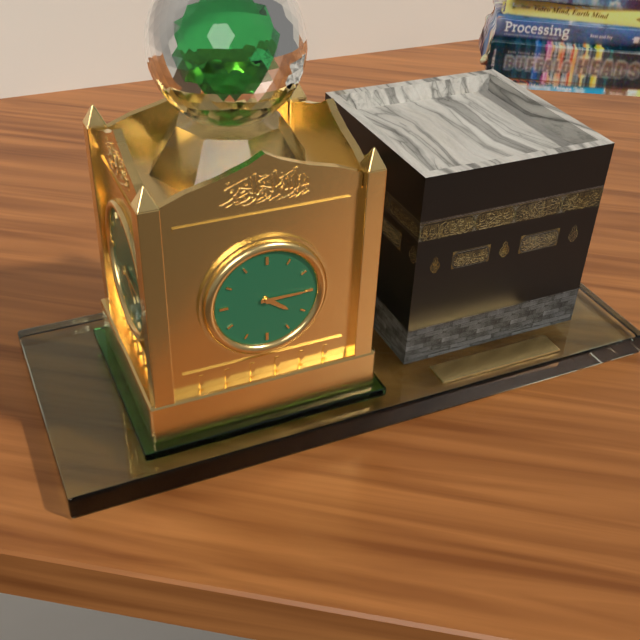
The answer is 4:15
